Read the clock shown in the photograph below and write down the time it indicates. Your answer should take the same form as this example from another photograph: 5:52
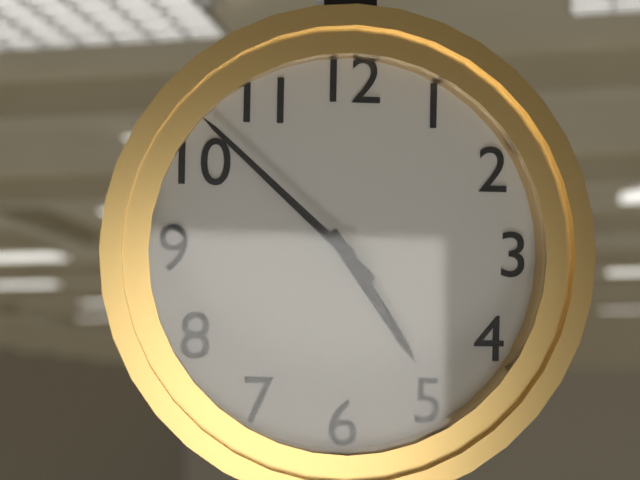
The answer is 4:52
